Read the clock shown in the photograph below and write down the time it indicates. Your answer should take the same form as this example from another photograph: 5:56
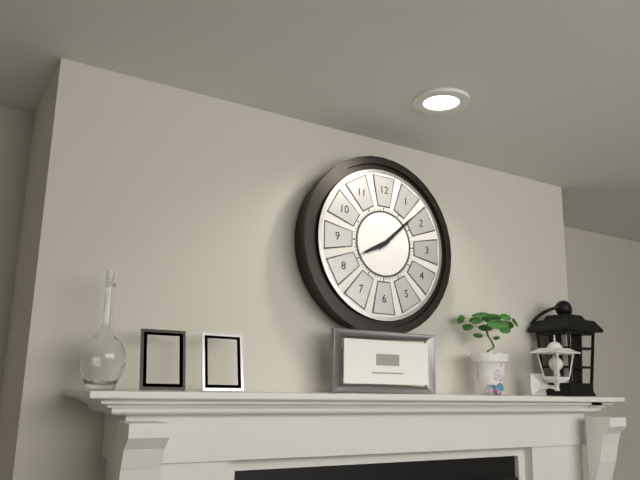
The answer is 8:08
